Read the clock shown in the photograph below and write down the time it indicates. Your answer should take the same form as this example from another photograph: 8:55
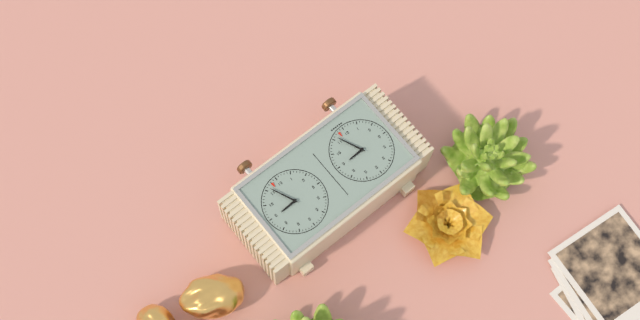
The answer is 8:56
